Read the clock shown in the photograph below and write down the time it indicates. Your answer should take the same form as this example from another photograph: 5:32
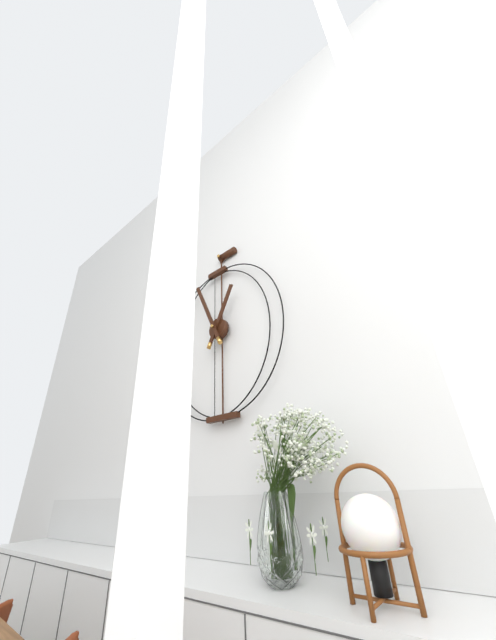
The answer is 12:56
